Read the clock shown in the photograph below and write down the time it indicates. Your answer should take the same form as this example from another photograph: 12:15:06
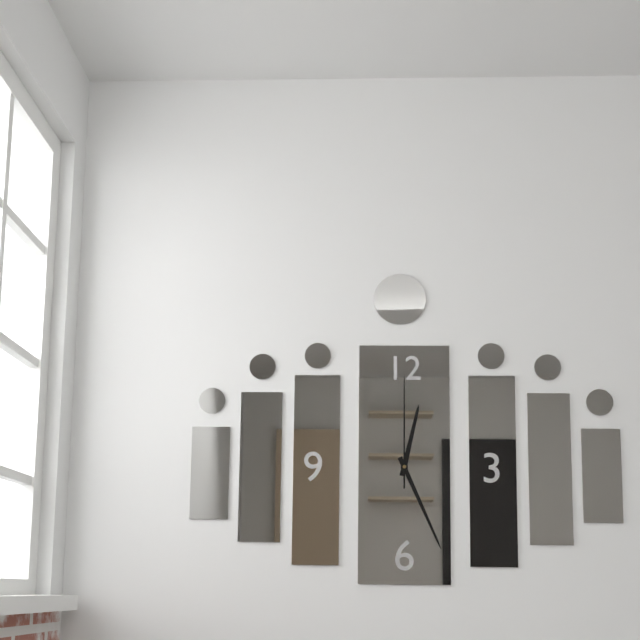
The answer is 12:26:00
